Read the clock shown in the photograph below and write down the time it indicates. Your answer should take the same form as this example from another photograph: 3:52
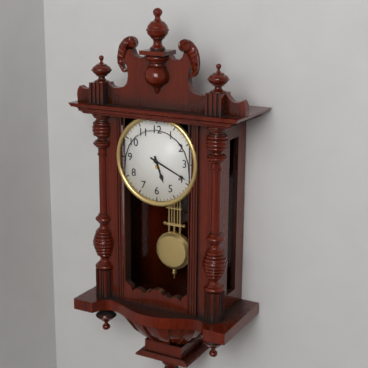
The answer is 5:19
